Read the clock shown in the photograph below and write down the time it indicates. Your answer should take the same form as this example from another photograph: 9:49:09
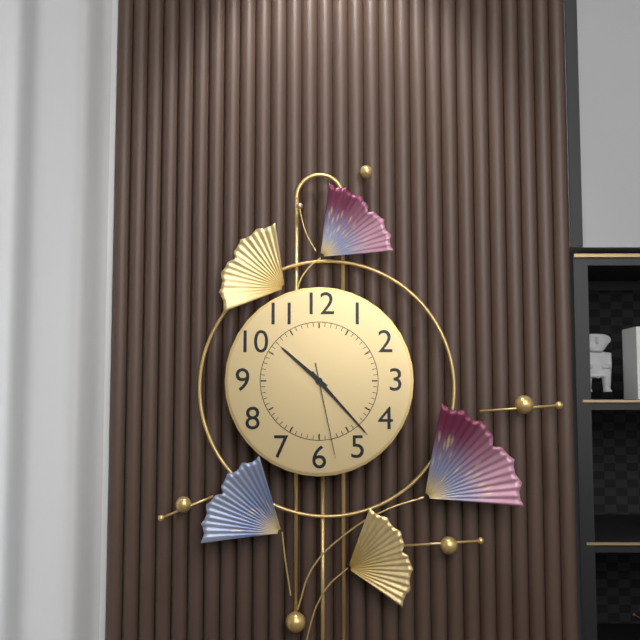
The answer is 10:23:28
